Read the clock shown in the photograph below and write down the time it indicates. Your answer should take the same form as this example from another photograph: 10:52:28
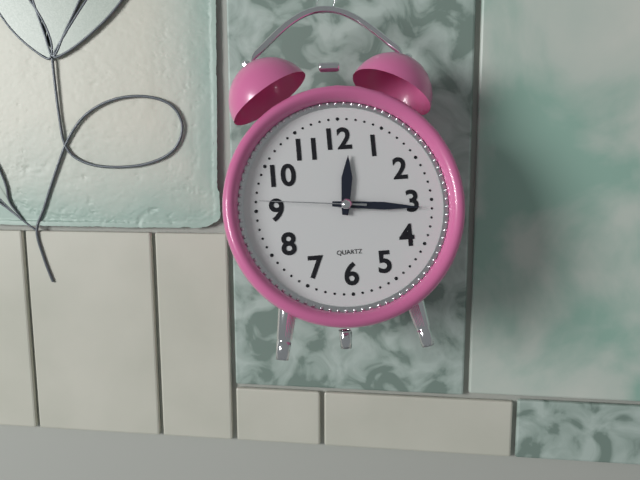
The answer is 12:16:46
